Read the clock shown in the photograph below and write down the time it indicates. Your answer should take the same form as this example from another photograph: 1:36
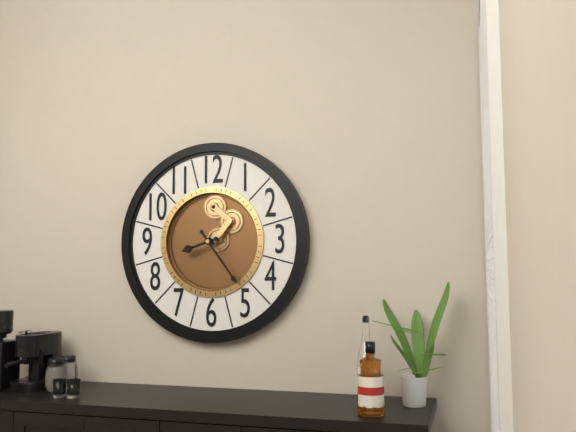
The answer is 8:24
